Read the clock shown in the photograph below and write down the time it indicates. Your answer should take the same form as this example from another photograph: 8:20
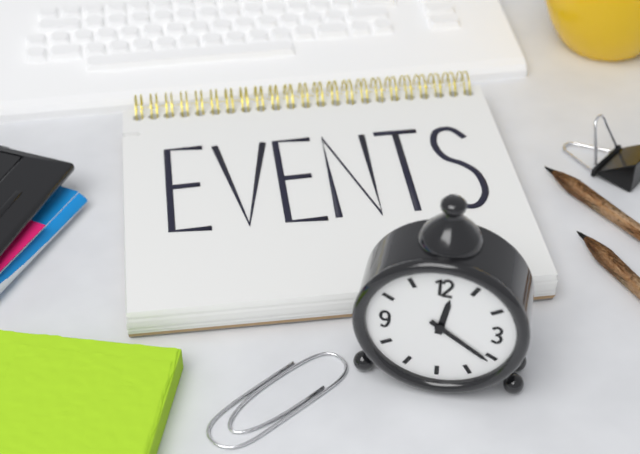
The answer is 12:21
